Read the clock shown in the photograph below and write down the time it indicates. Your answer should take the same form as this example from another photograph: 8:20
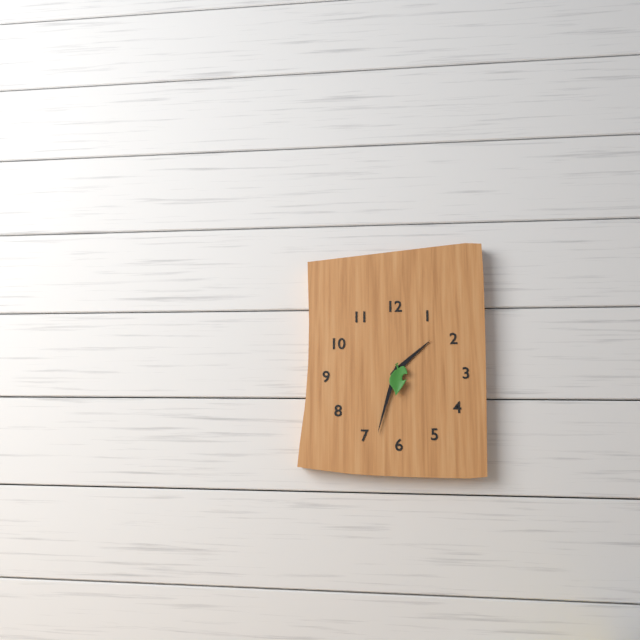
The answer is 1:33
